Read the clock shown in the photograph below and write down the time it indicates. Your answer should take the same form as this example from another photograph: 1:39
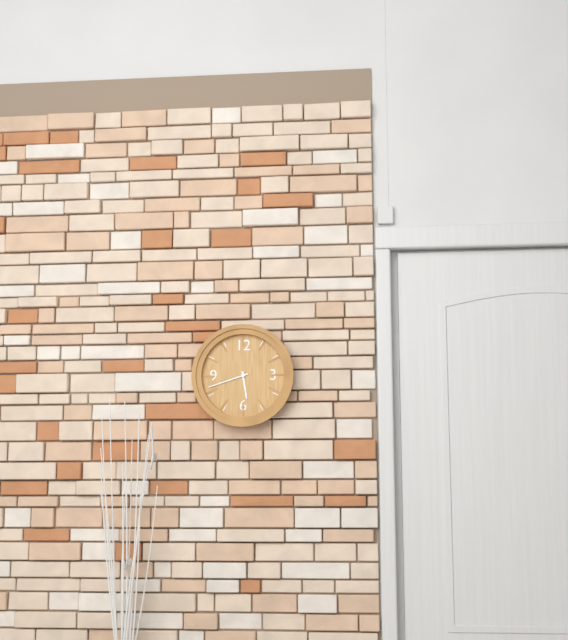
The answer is 5:42
